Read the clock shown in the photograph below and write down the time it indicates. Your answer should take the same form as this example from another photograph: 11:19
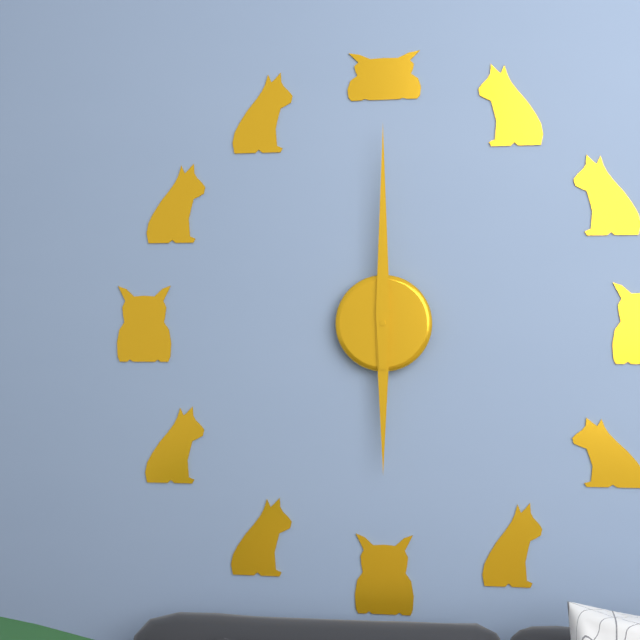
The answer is 6:00
